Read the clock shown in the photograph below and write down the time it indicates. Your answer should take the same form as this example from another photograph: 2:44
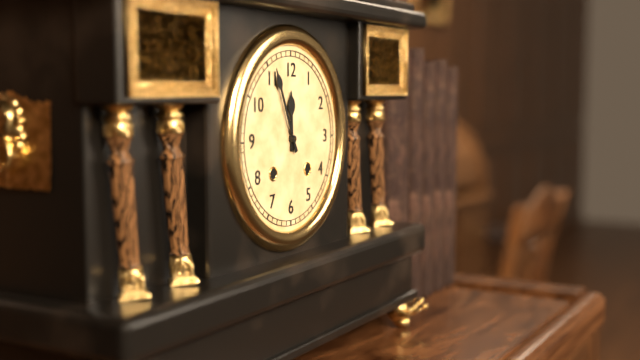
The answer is 11:56
